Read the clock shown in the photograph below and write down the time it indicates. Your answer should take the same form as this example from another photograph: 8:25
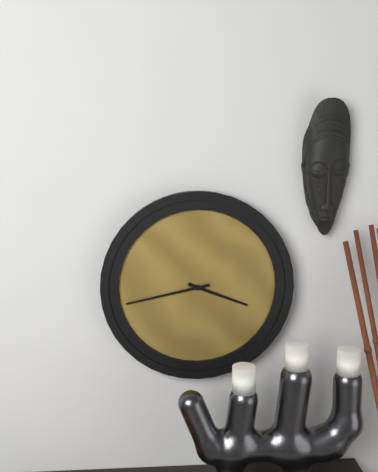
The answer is 3:43
